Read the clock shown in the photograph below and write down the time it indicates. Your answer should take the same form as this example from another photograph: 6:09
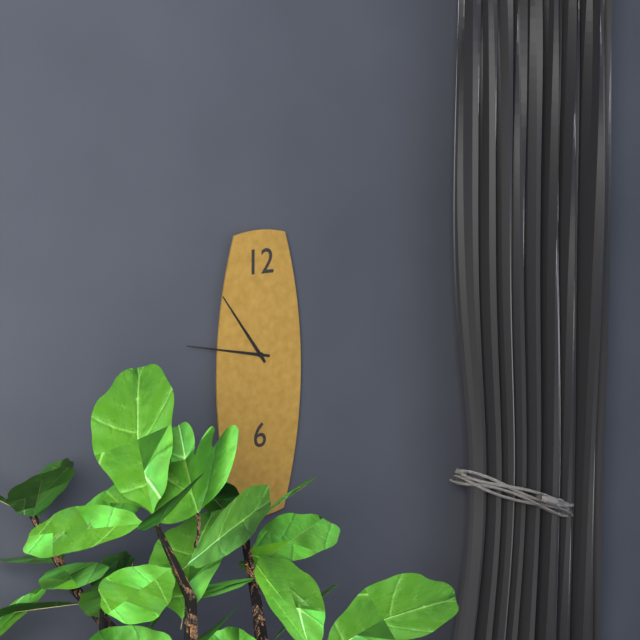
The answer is 10:47
